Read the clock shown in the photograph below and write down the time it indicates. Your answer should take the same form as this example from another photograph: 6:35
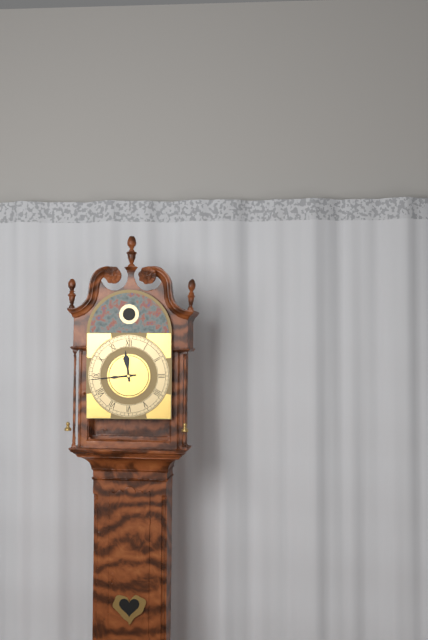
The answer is 11:44
